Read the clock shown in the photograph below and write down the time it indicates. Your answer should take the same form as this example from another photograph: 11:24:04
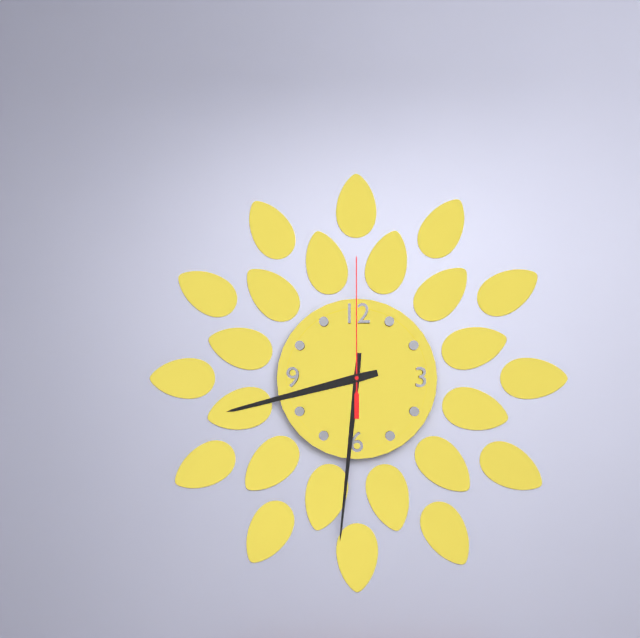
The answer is 8:31:00
